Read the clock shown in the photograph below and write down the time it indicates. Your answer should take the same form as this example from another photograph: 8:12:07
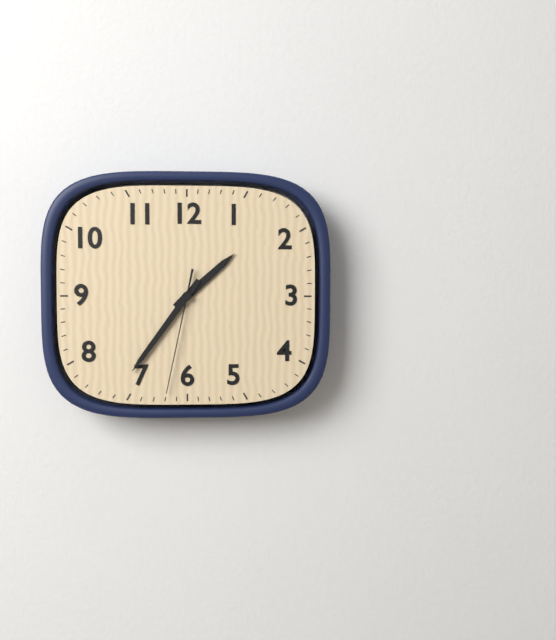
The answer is 1:36:32
